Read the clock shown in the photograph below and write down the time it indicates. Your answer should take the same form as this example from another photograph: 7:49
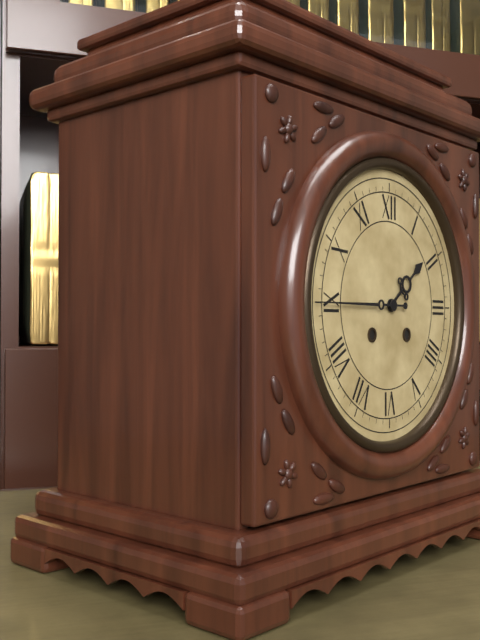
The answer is 1:45
